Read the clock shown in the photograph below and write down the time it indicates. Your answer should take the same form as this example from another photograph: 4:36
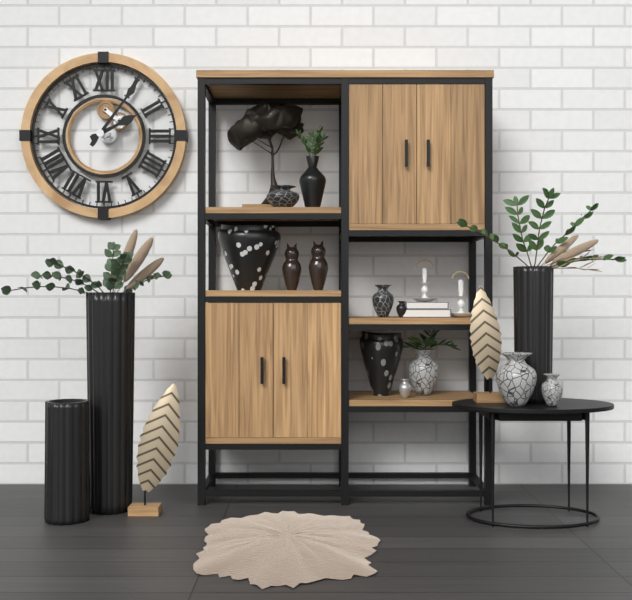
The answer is 2:06
